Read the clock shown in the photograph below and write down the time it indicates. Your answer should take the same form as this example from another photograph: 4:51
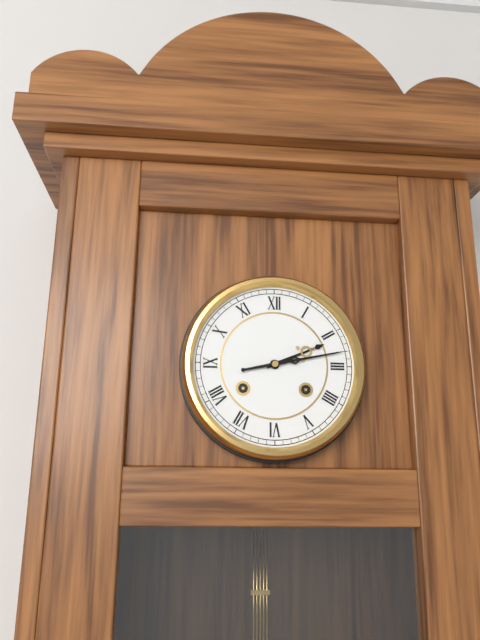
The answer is 2:13
